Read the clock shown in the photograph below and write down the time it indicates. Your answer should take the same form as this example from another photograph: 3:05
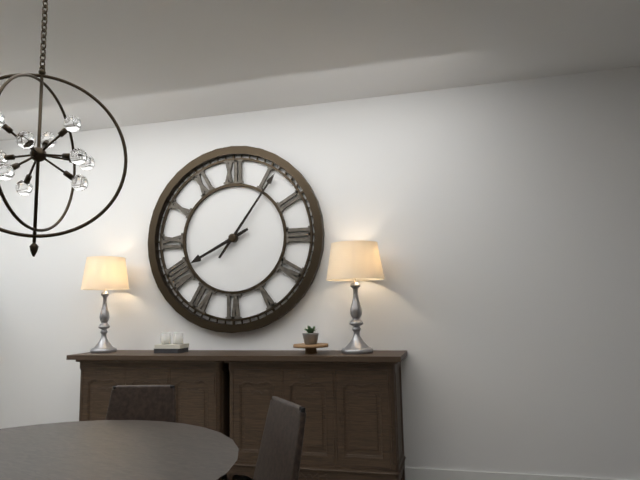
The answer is 8:06
